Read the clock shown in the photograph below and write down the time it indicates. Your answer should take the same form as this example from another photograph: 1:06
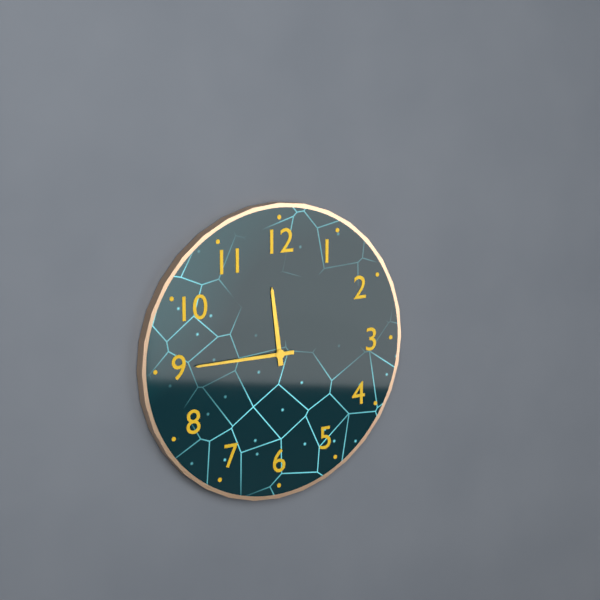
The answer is 11:45
